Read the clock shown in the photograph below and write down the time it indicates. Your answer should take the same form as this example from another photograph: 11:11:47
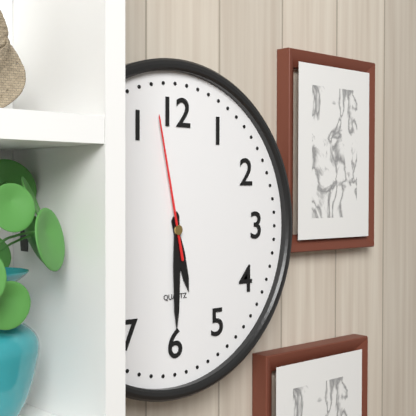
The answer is 5:30:58
